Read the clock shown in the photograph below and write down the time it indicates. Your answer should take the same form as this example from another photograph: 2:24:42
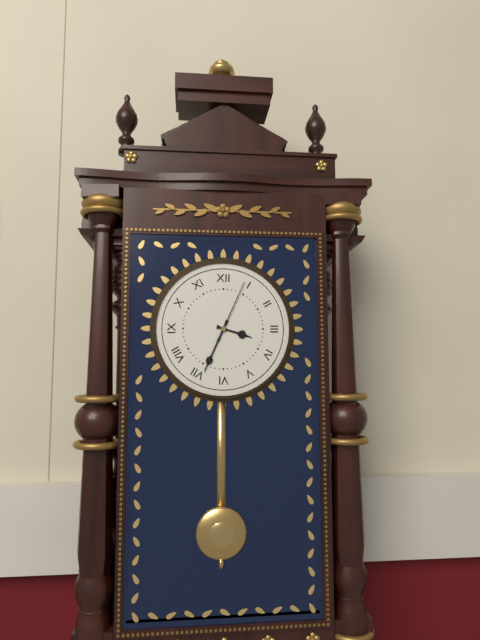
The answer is 3:34:04
